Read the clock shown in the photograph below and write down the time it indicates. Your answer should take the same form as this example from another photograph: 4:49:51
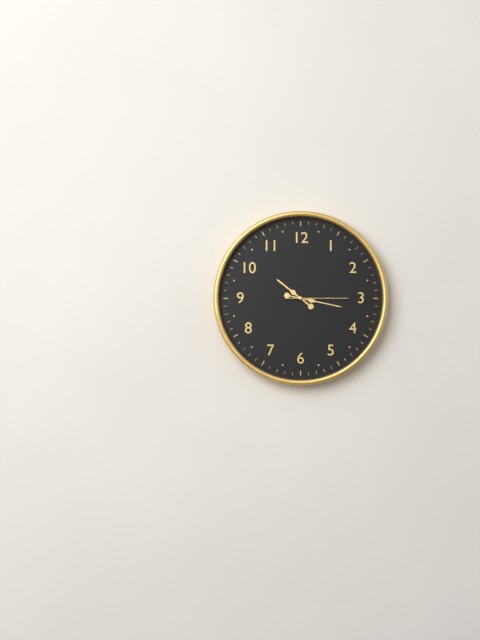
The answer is 10:17:15
